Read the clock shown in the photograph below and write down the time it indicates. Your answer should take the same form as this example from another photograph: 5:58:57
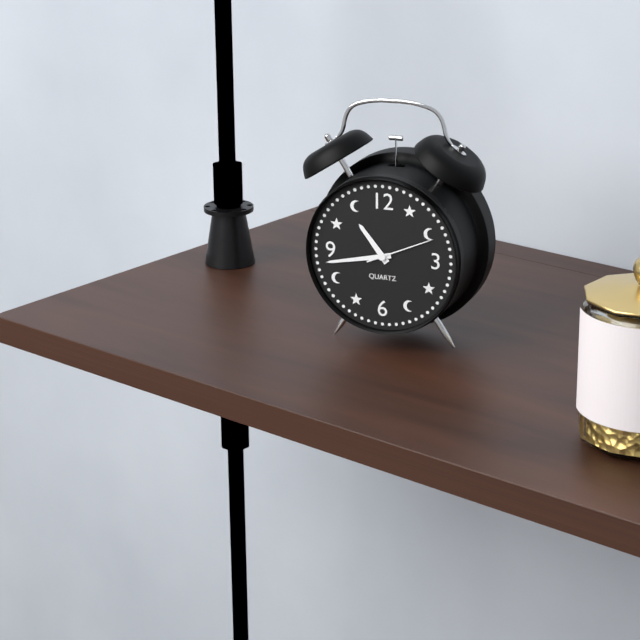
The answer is 10:43:11
